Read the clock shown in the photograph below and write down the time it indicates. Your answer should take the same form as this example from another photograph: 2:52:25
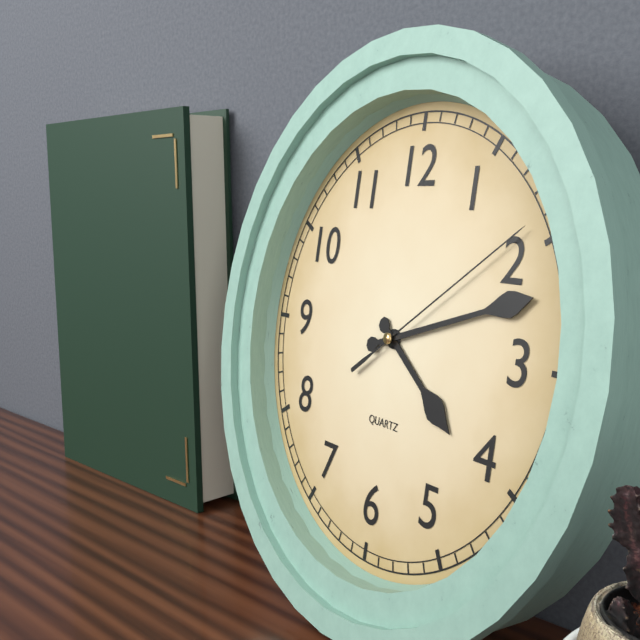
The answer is 4:12:09
